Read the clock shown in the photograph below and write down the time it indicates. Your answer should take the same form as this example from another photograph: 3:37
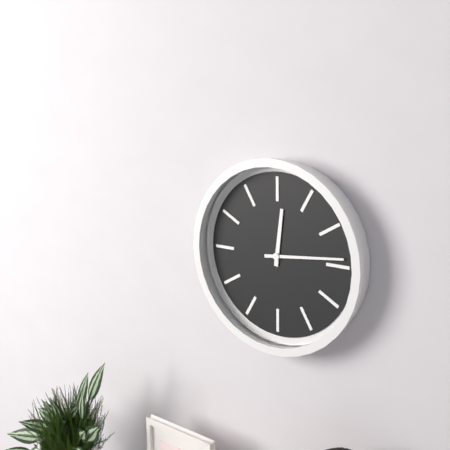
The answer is 12:14
